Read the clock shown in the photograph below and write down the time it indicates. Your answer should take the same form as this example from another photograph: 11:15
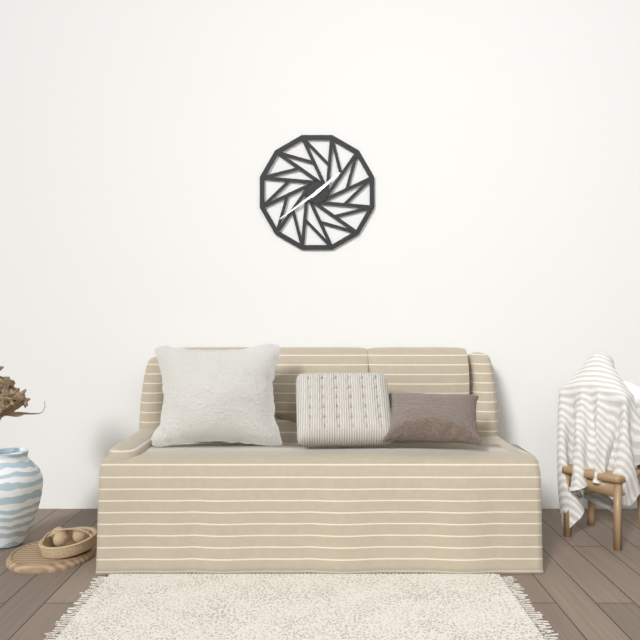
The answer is 1:39
